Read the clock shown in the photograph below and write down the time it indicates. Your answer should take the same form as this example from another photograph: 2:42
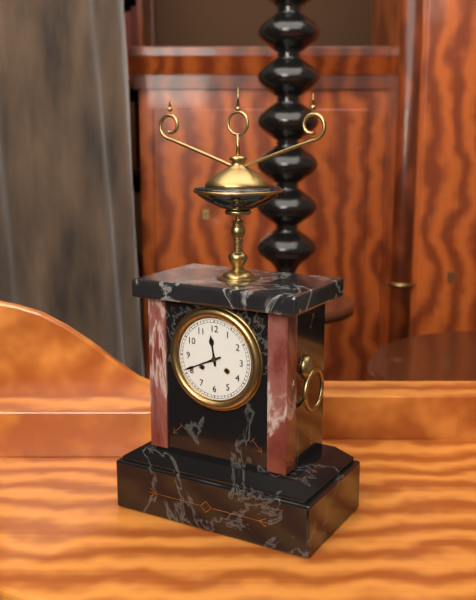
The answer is 11:41
